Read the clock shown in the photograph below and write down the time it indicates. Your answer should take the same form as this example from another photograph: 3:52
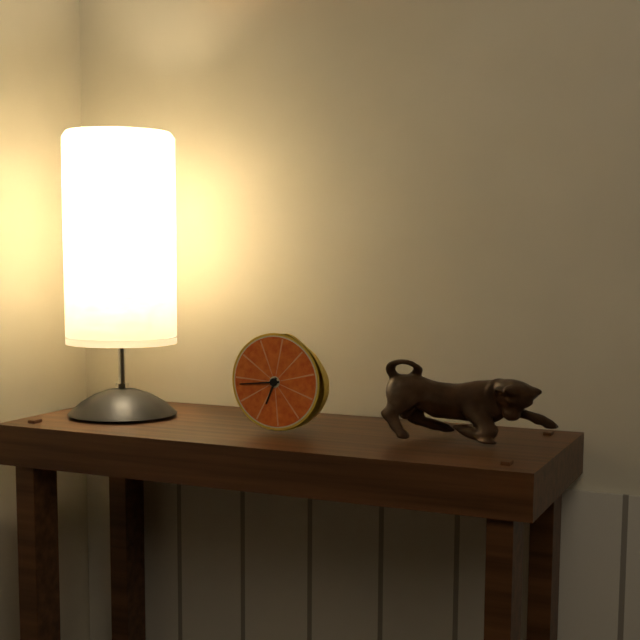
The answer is 6:44
